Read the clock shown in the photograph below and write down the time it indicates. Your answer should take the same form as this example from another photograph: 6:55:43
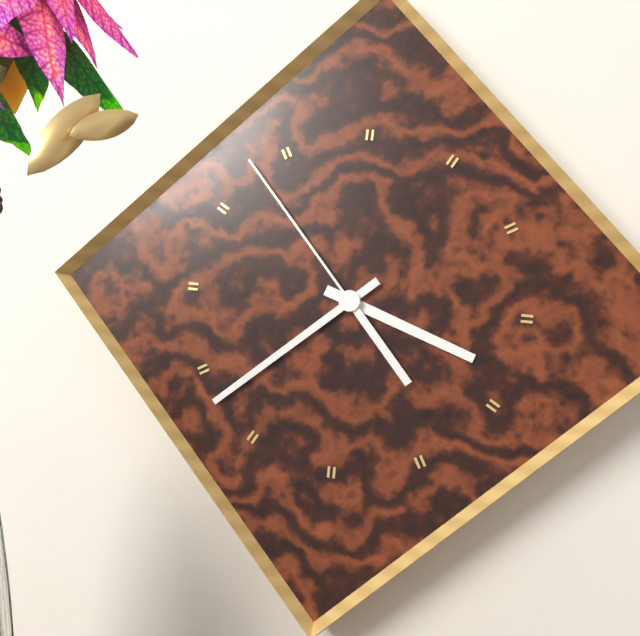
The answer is 3:38:53
